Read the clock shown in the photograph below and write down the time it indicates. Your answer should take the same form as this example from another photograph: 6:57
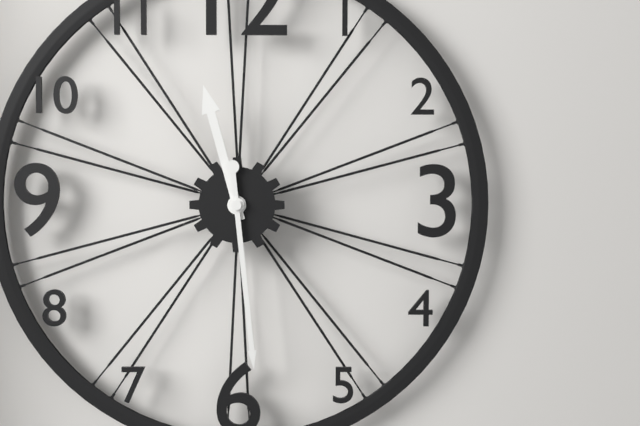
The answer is 11:29
